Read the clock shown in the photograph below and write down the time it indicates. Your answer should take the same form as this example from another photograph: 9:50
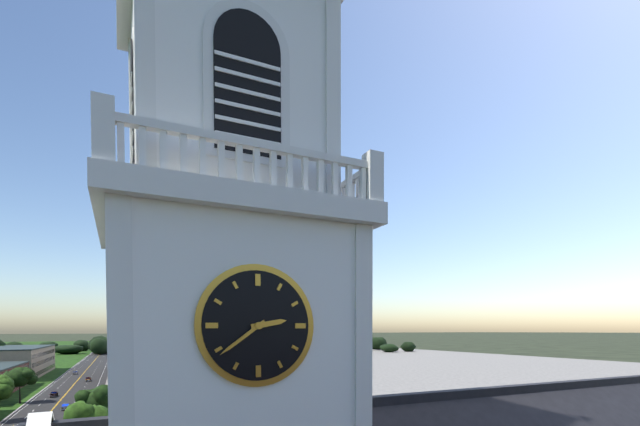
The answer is 2:39
